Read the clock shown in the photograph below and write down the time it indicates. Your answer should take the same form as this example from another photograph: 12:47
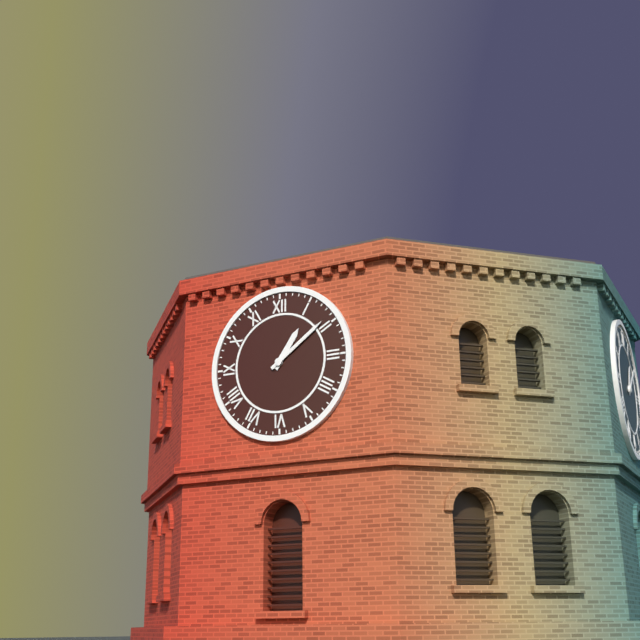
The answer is 1:09
